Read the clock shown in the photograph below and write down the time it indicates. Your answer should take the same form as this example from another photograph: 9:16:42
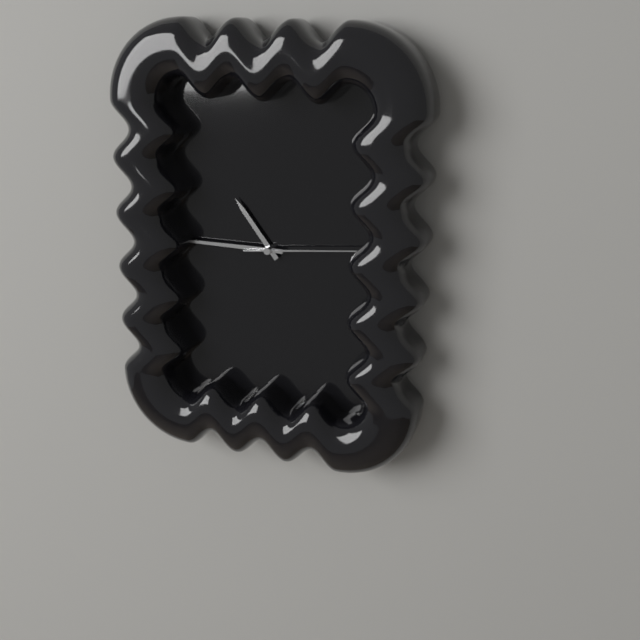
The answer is 10:45:14
